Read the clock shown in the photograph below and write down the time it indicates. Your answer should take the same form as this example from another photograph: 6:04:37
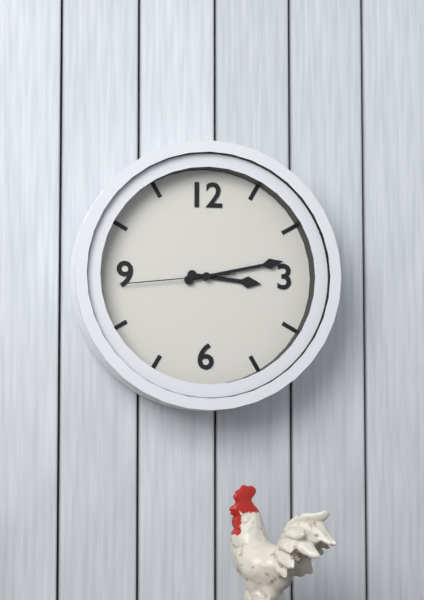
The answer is 3:13:44
